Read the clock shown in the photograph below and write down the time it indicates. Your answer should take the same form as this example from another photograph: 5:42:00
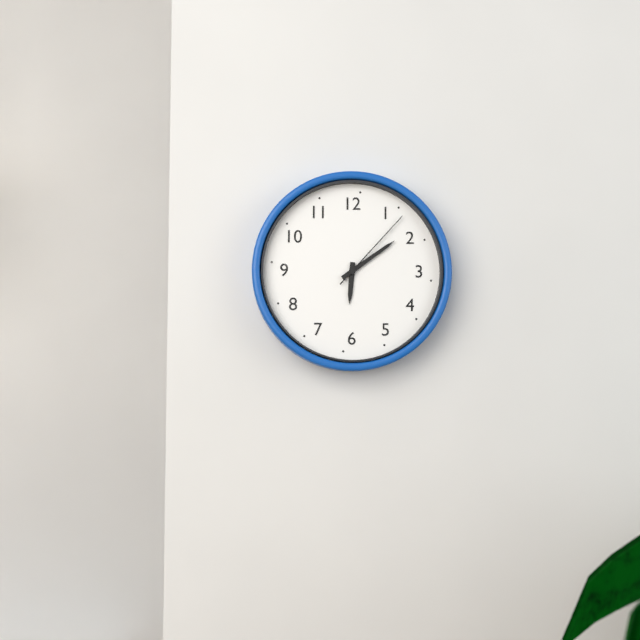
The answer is 6:09:07
